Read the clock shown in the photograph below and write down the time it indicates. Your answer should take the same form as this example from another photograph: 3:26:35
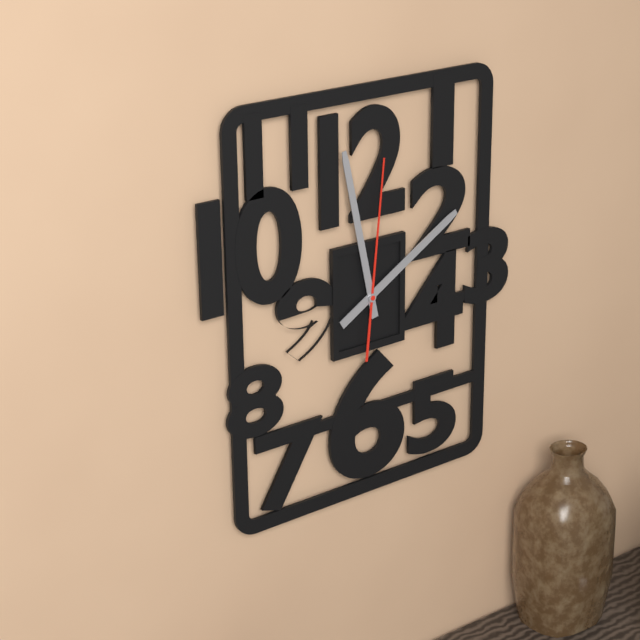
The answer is 1:58:01
